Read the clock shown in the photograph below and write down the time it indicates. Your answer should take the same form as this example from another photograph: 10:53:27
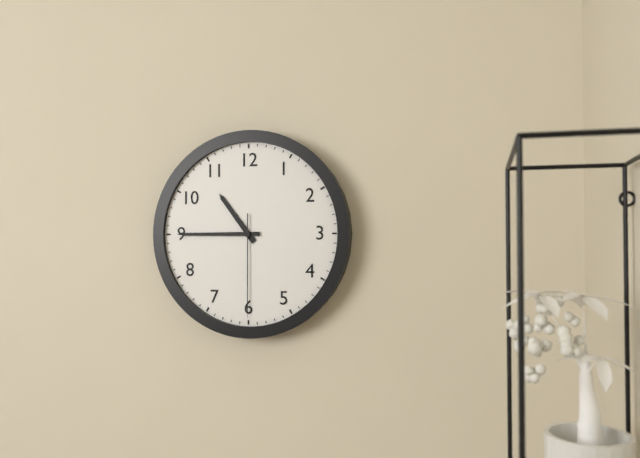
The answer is 10:45:30
